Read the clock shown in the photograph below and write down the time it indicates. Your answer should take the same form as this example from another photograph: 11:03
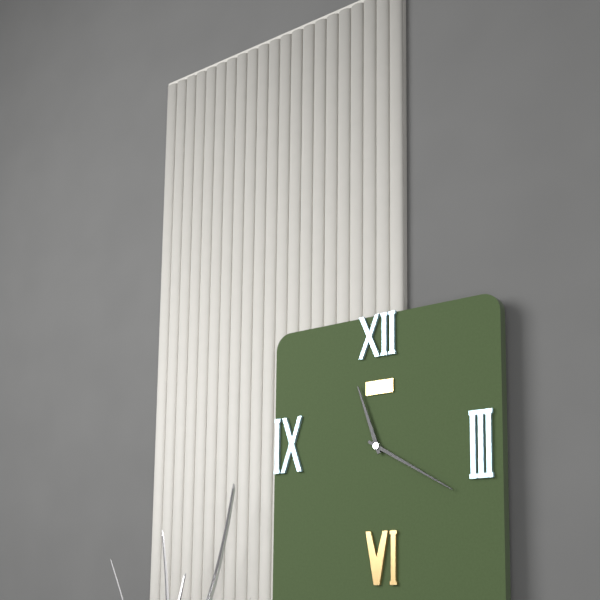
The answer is 11:20
